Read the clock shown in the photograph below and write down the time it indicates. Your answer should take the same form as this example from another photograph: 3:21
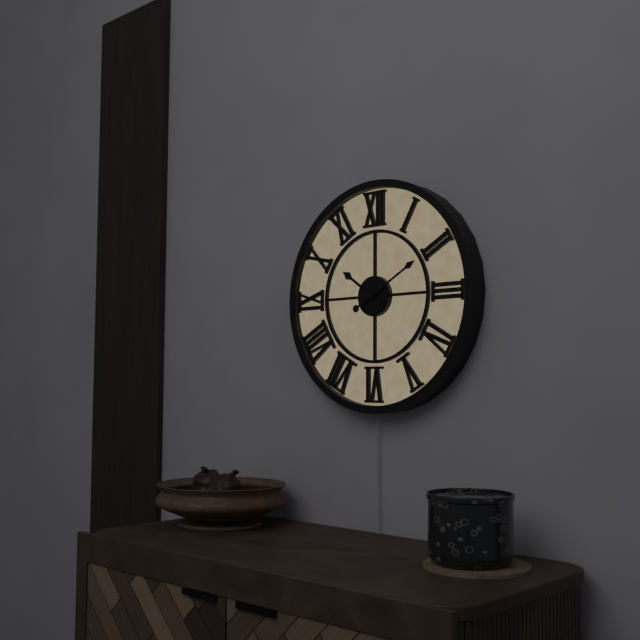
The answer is 10:10
